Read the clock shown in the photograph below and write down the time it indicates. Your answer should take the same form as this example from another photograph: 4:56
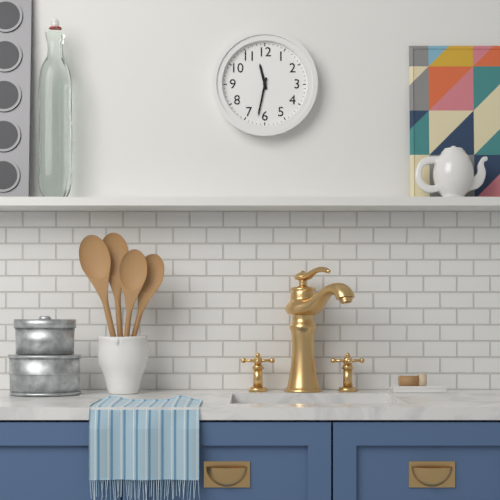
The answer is 11:32
